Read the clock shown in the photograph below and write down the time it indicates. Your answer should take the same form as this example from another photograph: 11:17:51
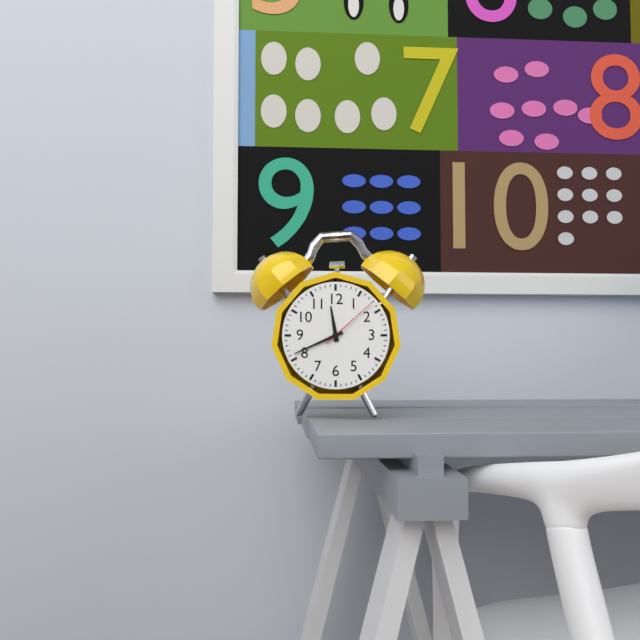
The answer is 11:41:08
